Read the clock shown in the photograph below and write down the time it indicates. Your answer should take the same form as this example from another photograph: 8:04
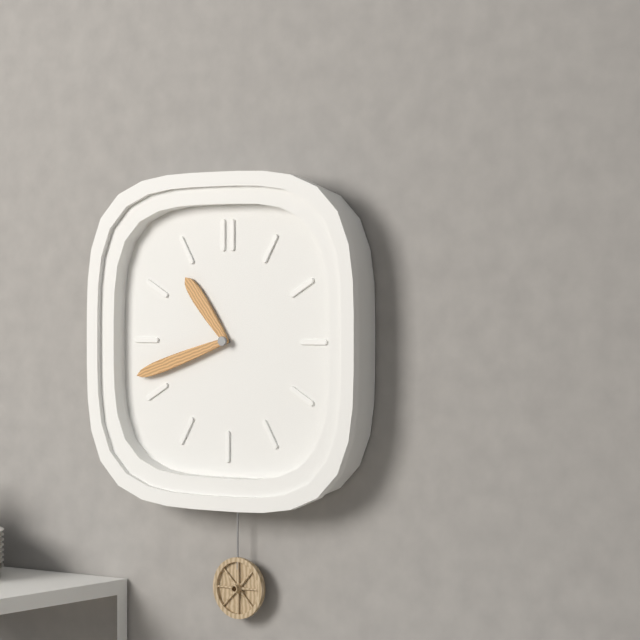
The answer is 10:42
